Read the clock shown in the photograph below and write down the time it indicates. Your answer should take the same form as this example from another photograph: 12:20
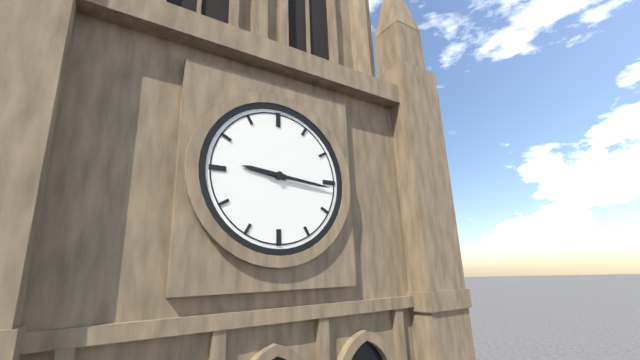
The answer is 9:16
